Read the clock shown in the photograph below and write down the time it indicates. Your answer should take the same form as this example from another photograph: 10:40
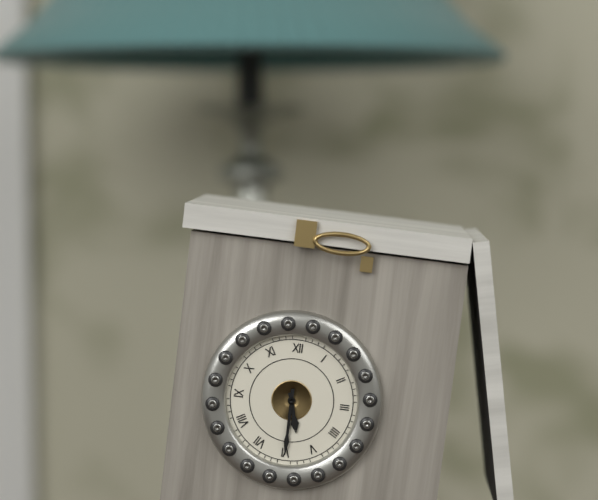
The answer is 5:30
